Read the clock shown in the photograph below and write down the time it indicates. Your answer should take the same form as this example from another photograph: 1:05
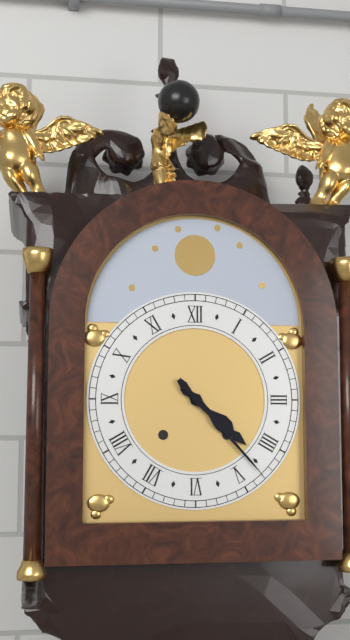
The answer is 4:23
